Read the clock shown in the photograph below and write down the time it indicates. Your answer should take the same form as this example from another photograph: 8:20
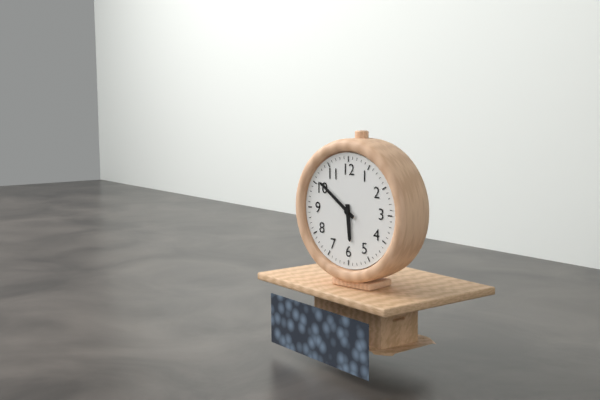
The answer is 5:51
